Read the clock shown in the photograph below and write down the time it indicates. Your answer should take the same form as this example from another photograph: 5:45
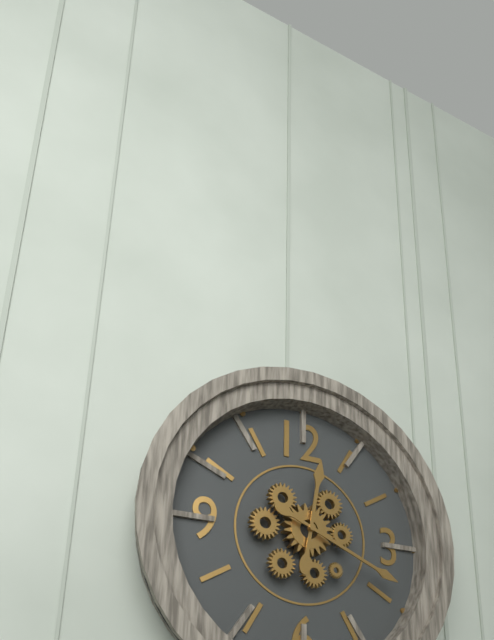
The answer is 12:19
